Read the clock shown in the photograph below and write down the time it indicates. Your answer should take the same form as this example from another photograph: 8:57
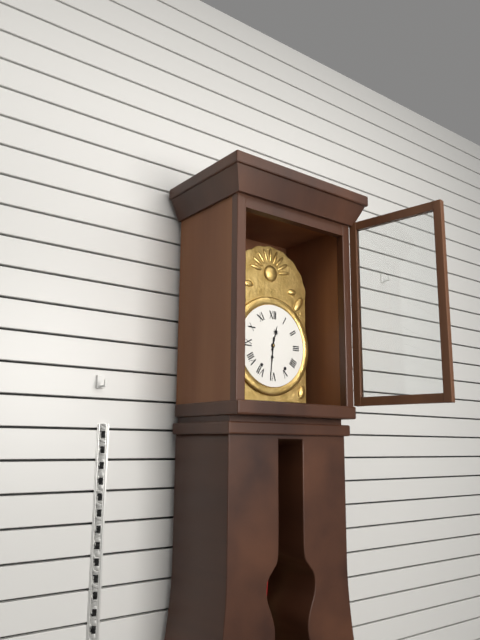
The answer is 12:31
